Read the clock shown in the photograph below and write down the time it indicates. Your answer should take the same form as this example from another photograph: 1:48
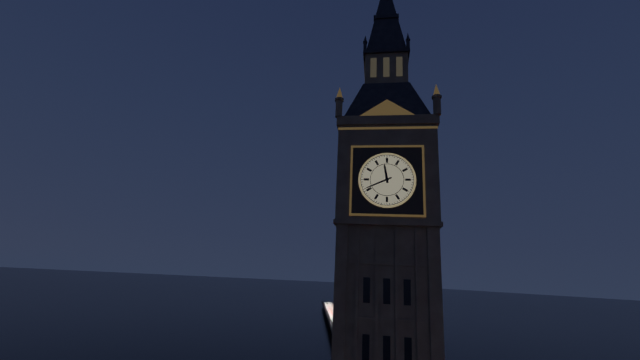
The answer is 11:41
